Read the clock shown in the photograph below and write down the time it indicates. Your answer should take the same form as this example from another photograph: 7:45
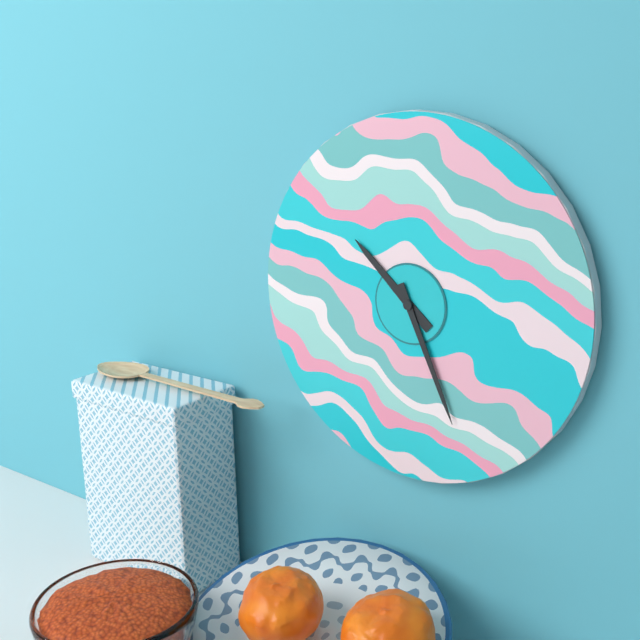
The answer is 10:26
